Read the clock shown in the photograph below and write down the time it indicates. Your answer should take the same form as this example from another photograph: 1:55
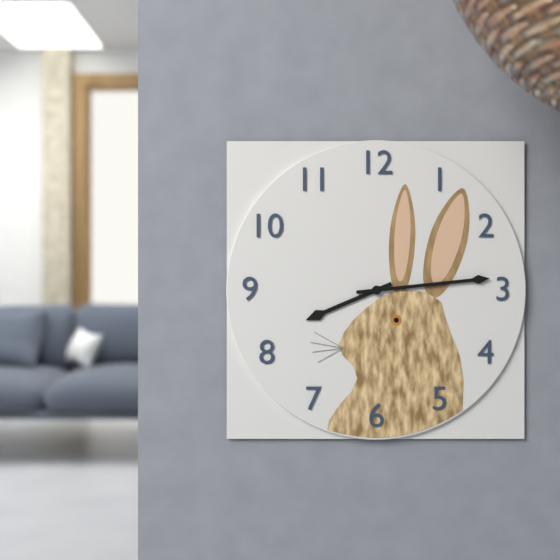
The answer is 8:14
